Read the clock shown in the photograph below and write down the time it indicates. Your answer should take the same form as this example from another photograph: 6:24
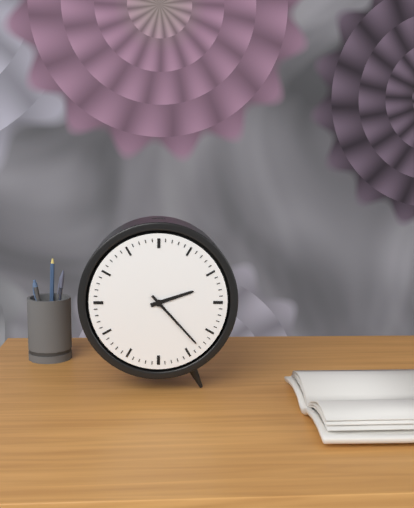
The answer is 2:23
